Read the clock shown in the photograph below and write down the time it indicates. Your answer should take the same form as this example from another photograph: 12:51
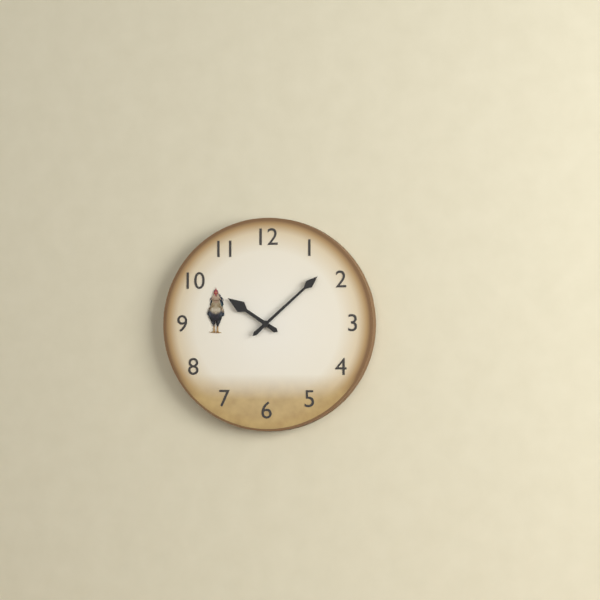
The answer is 10:08
